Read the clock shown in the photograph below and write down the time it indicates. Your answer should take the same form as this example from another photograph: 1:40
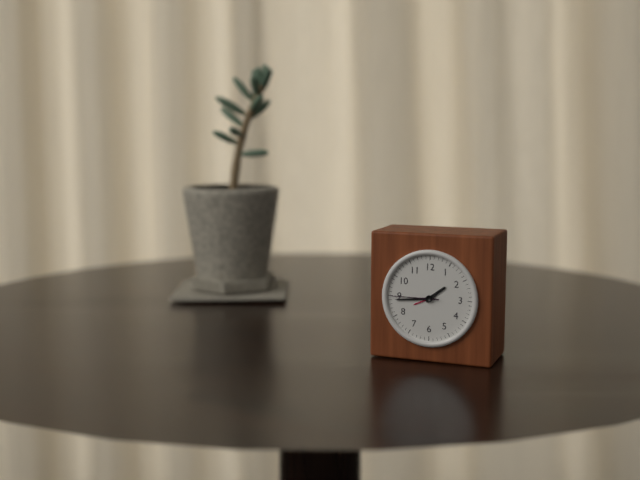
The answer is 1:44
